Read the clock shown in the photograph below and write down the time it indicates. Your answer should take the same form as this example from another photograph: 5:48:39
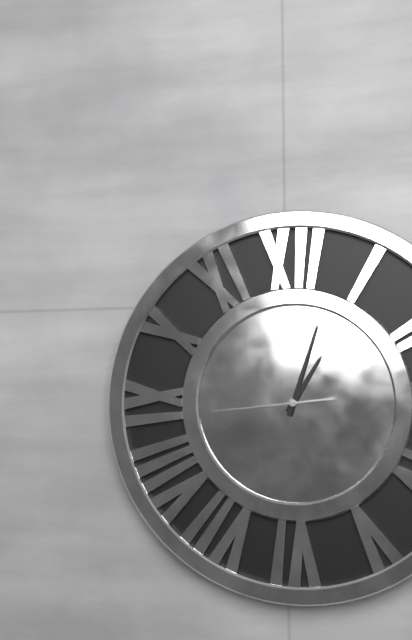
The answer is 1:03:44
